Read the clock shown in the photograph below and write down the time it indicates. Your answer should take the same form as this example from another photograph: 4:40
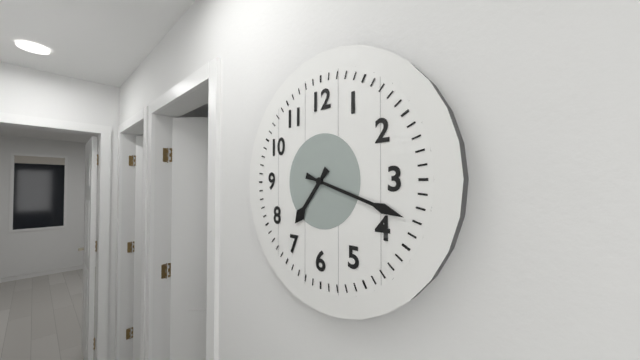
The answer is 7:18
